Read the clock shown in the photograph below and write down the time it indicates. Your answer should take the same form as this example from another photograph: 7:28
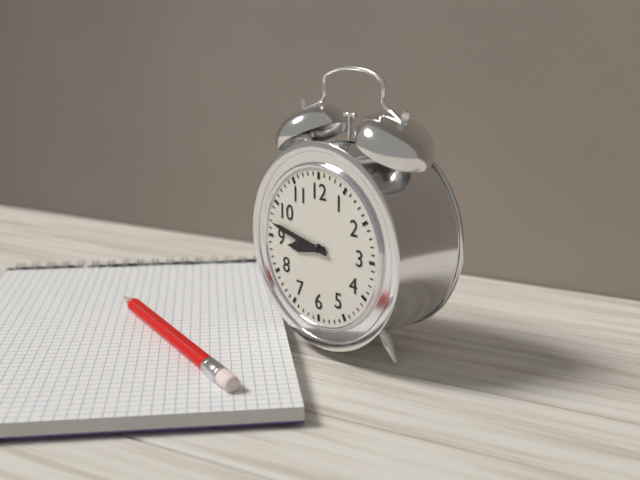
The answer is 8:47
